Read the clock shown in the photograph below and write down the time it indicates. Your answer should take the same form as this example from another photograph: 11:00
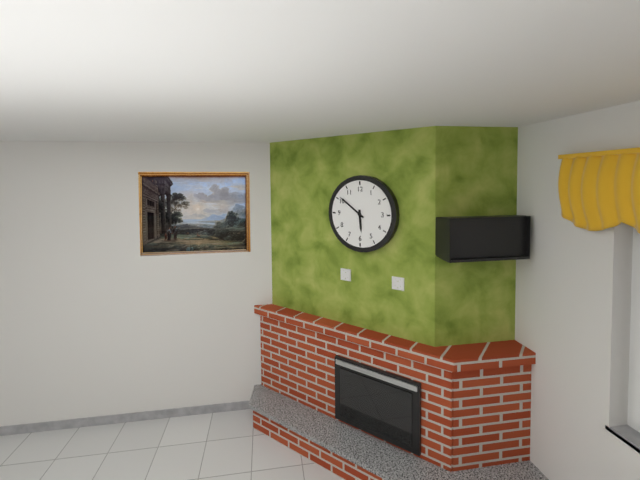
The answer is 5:51
